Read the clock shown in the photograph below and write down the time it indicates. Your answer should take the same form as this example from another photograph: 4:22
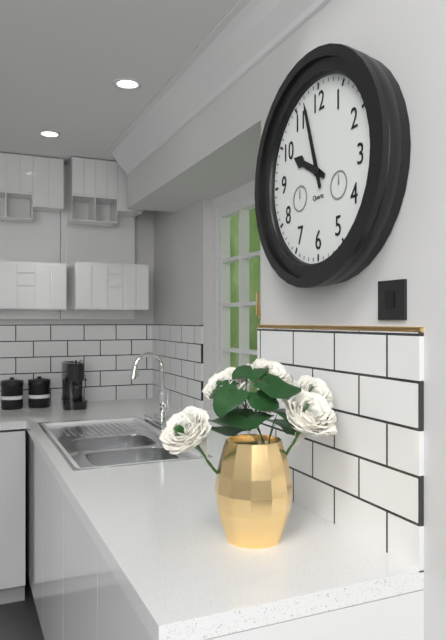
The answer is 9:57
